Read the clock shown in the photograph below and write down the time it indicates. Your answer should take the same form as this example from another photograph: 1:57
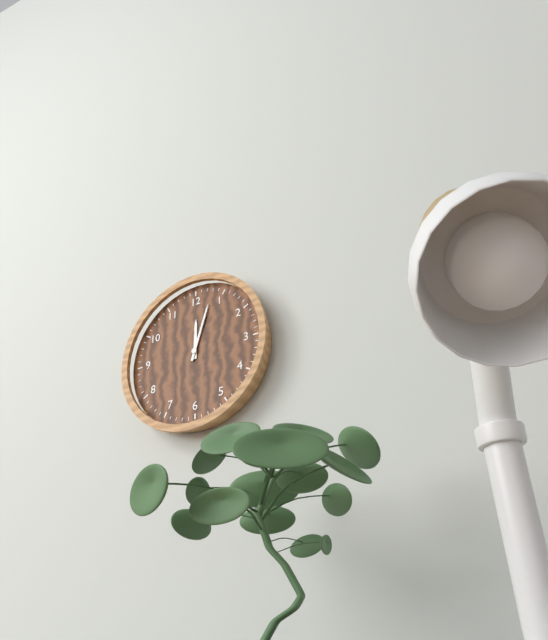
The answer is 12:03
